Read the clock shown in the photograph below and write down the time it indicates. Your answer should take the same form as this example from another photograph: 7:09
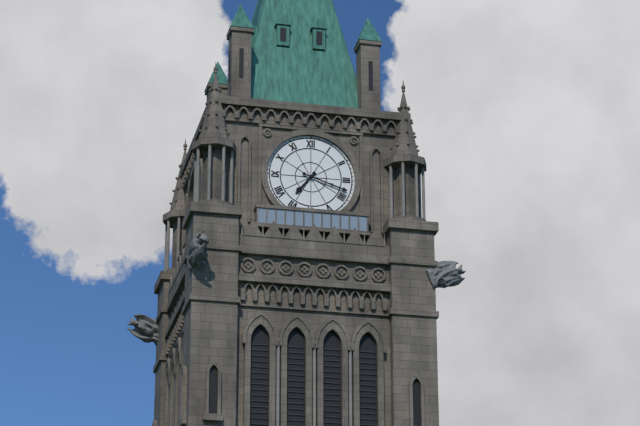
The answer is 7:18
